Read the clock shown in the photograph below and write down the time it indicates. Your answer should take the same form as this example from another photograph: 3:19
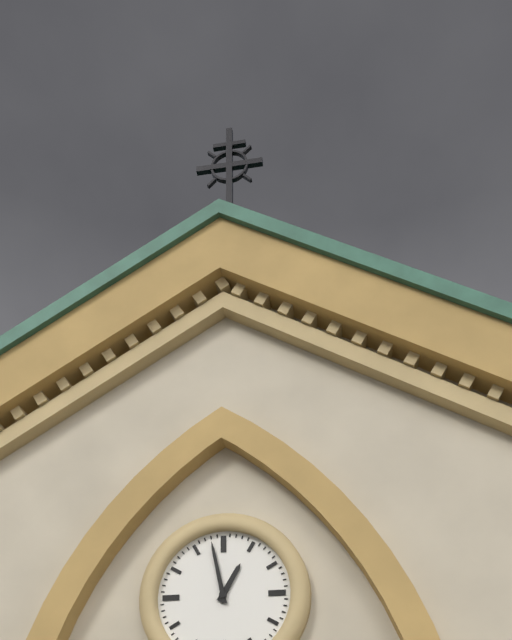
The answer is 12:58
